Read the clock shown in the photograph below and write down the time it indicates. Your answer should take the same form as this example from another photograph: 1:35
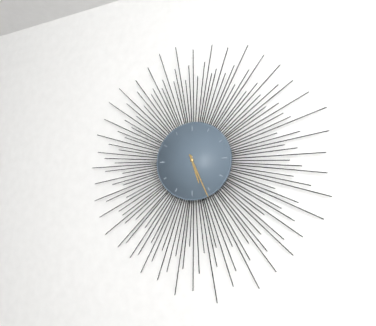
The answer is 5:26
